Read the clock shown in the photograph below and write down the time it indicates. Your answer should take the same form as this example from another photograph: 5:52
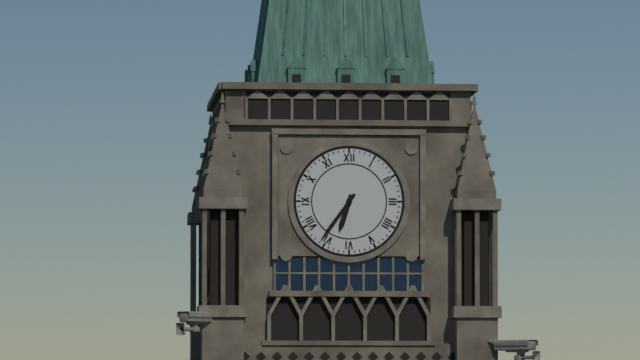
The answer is 6:36
